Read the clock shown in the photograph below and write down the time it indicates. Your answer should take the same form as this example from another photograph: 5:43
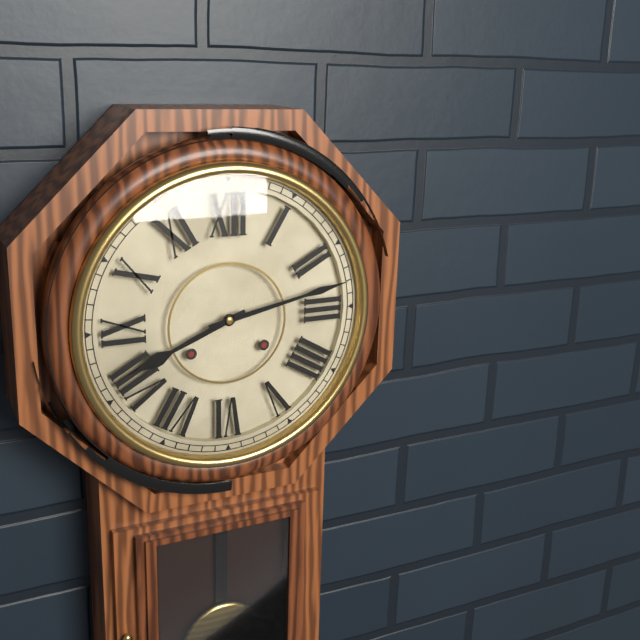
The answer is 8:13
